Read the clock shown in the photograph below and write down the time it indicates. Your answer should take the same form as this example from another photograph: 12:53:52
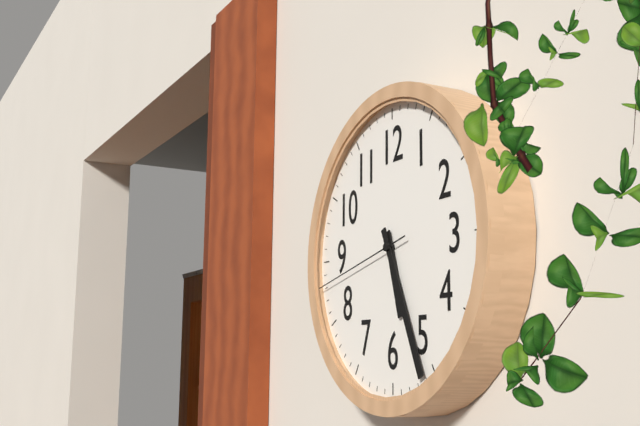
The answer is 5:26:43
